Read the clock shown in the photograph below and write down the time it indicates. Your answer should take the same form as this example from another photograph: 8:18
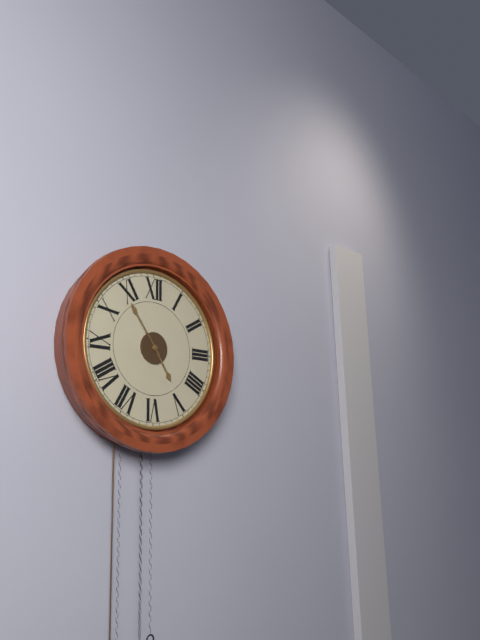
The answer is 4:54
